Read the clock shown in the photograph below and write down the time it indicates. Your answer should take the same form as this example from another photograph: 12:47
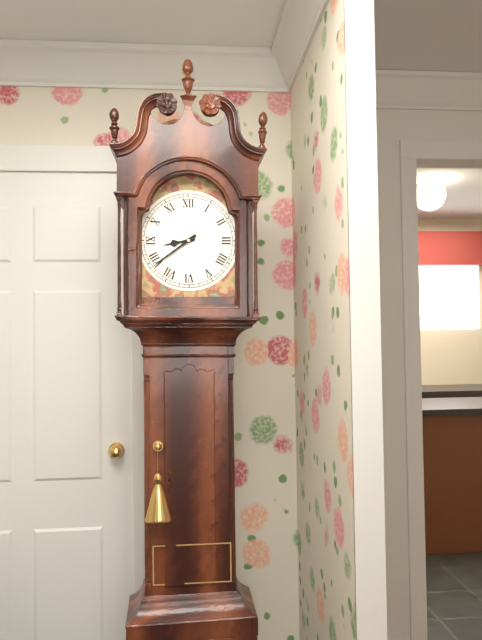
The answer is 8:39
